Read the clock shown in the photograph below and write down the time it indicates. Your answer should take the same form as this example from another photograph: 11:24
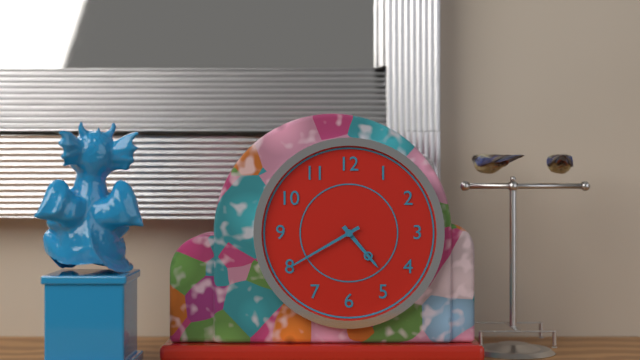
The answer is 4:40
